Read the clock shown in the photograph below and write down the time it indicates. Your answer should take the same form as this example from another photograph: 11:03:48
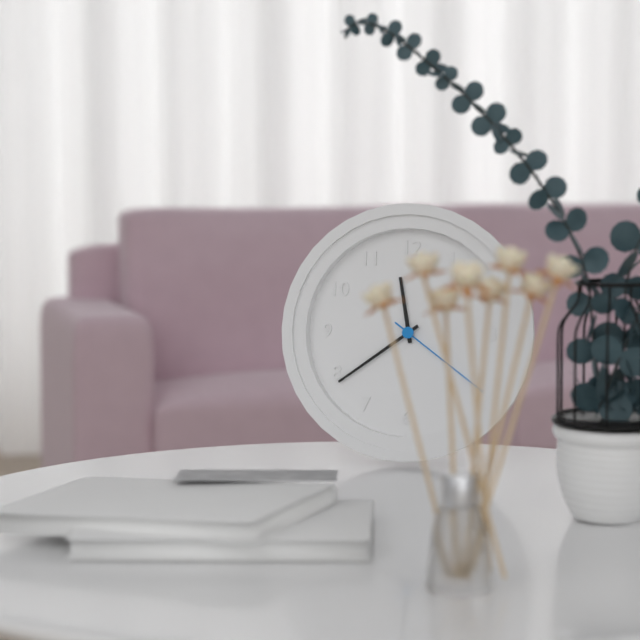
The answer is 11:39:21
